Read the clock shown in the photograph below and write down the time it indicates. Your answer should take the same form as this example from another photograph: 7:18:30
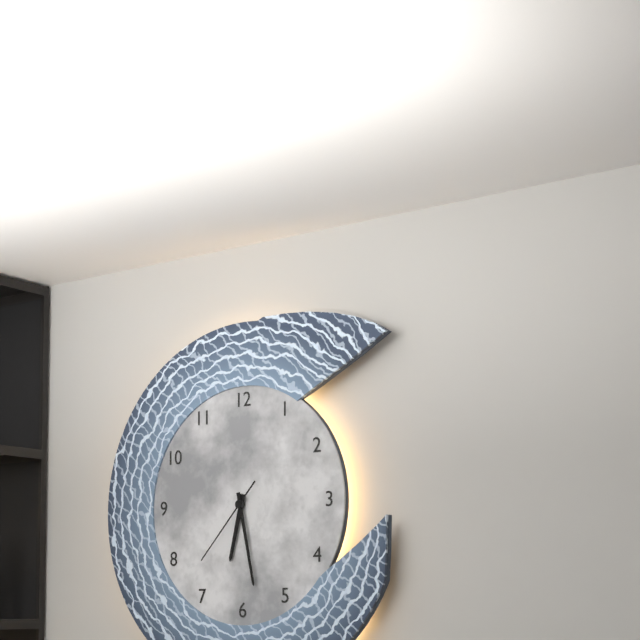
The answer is 6:28:37
